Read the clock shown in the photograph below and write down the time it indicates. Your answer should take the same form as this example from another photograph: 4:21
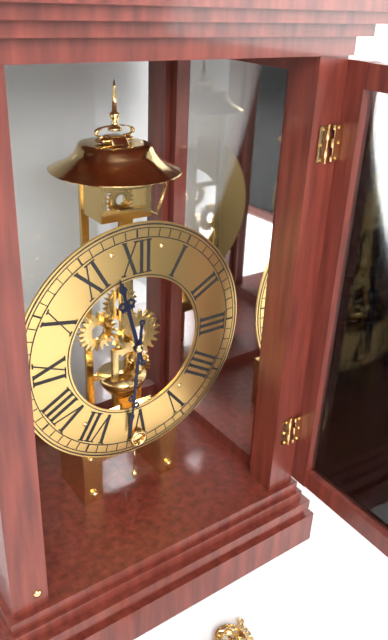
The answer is 11:31
